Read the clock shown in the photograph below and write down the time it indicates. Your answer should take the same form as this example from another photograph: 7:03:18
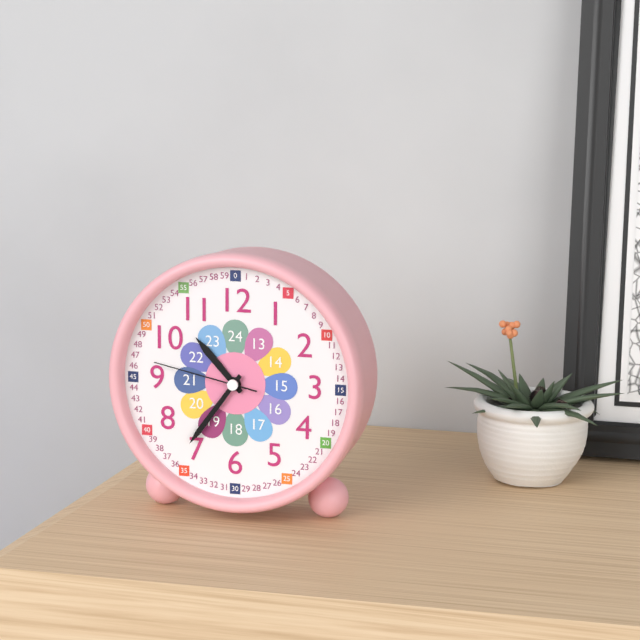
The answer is 10:36:47
